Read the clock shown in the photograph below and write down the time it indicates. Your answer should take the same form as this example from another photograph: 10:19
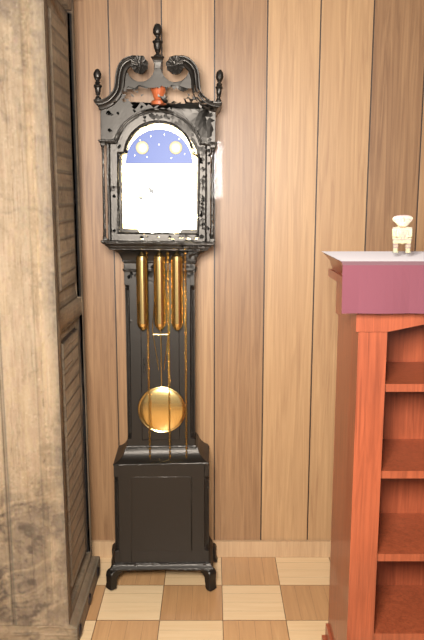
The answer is 10:47
